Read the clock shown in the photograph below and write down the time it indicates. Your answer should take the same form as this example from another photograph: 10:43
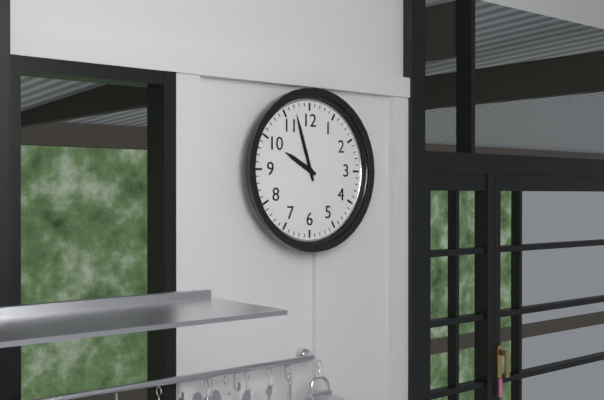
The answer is 9:57
